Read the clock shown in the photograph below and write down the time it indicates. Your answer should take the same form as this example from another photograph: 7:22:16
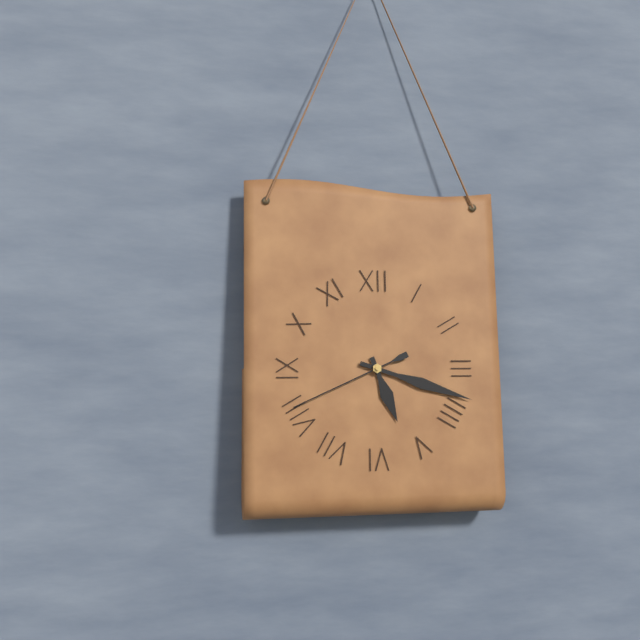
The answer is 5:18:41
